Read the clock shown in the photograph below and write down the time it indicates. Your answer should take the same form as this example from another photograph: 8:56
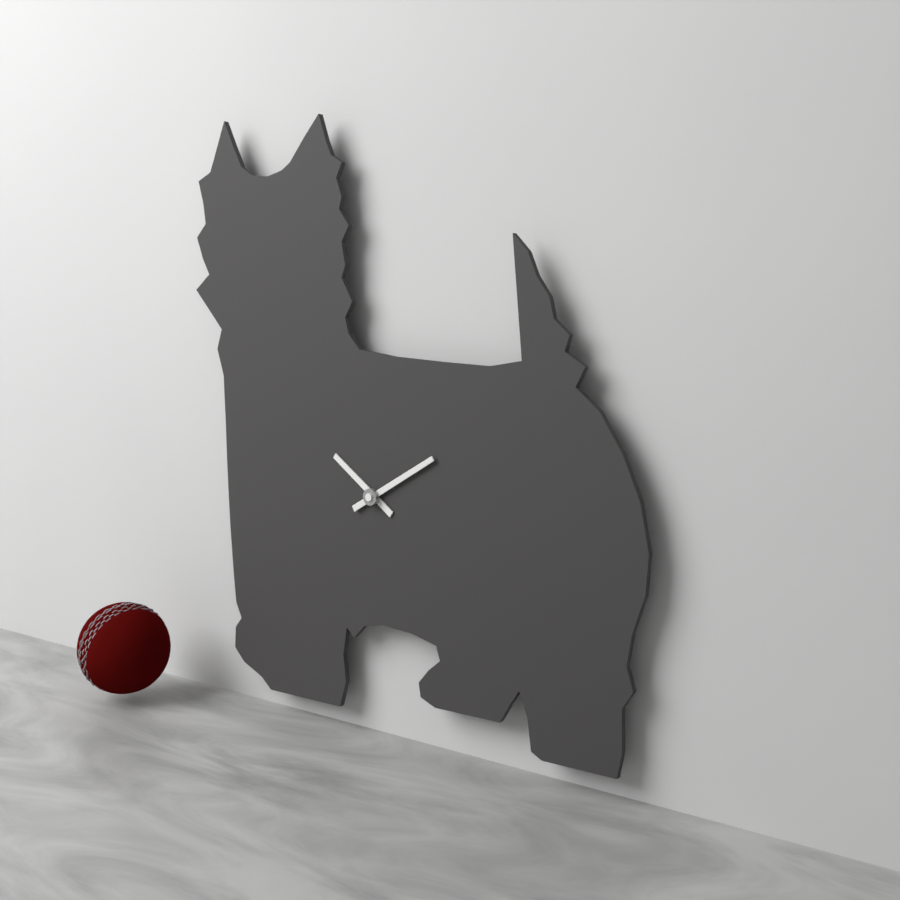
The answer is 10:10
